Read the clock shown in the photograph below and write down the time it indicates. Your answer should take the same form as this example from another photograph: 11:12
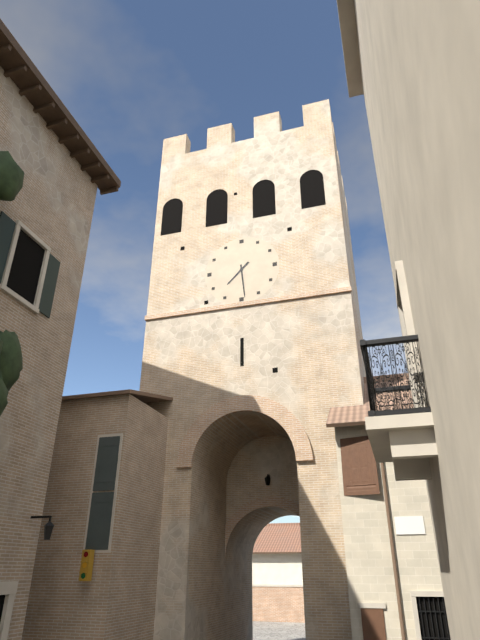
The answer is 7:29
